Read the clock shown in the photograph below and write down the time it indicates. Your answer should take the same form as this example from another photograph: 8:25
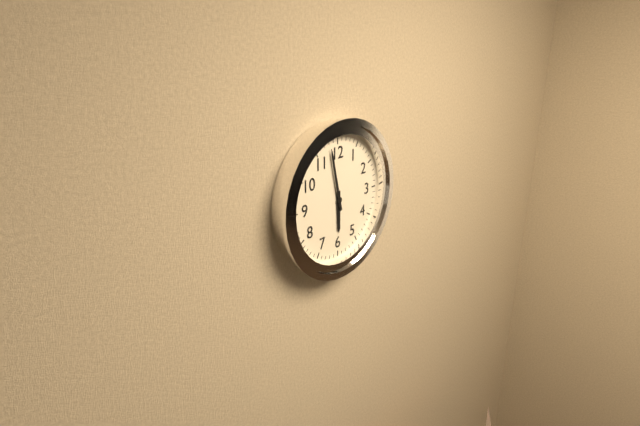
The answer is 5:58
